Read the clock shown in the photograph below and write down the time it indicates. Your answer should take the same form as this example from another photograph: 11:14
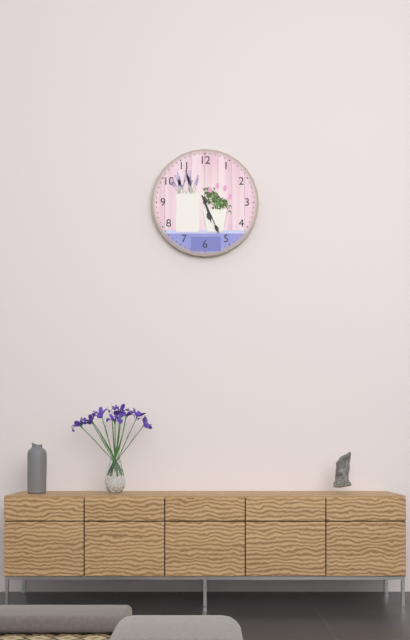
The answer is 5:26
